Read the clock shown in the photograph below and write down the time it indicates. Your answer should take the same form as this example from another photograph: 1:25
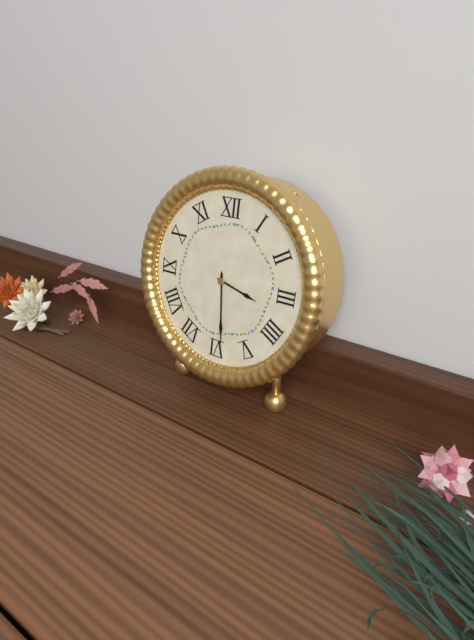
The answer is 3:29
